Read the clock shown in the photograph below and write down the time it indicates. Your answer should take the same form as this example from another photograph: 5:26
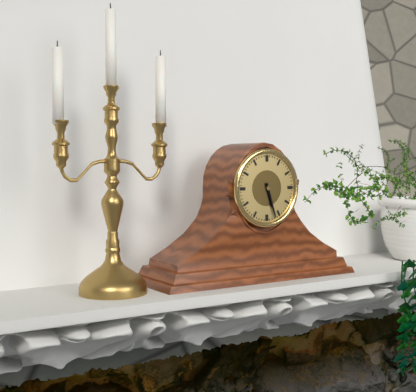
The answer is 5:27
